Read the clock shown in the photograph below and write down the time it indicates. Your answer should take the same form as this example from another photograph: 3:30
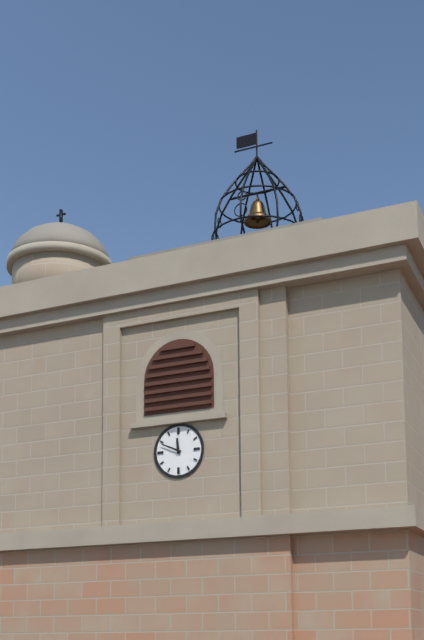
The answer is 11:49
